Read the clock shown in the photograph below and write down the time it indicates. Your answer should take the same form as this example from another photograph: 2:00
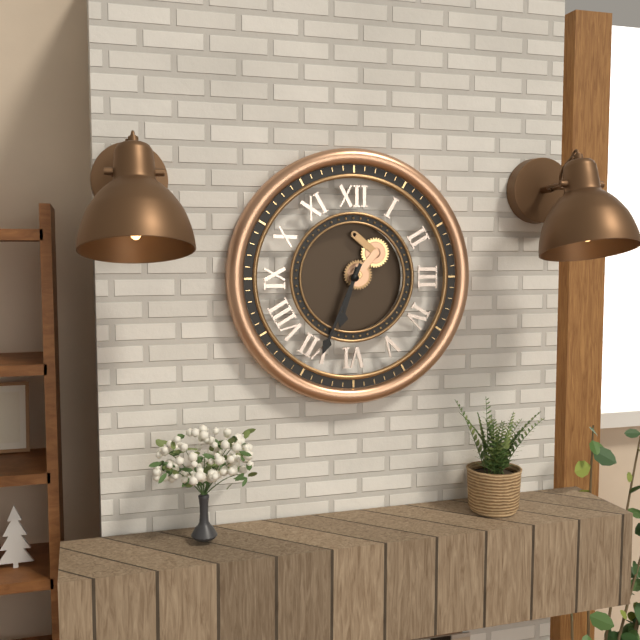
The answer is 6:34
